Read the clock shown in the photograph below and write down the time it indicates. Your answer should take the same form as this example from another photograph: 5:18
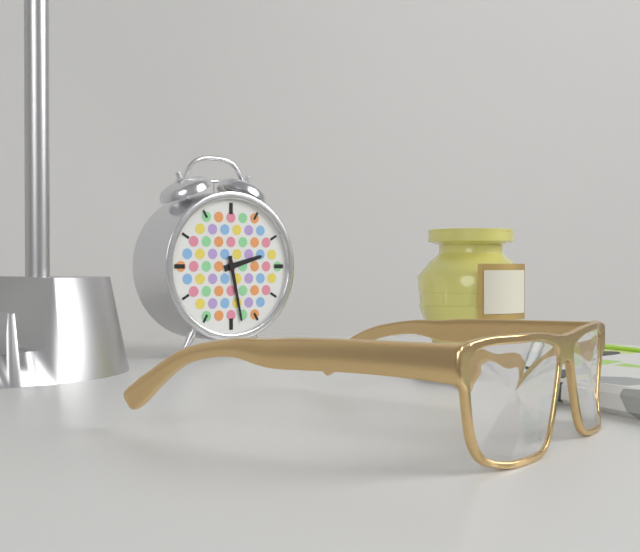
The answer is 2:28
